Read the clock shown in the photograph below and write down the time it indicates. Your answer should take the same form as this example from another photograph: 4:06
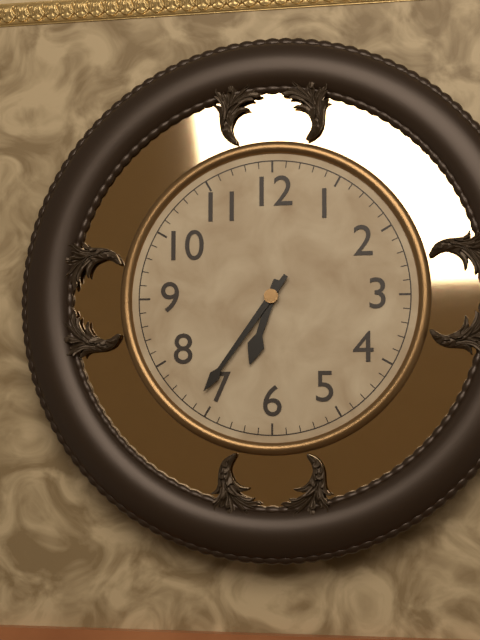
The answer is 6:36
